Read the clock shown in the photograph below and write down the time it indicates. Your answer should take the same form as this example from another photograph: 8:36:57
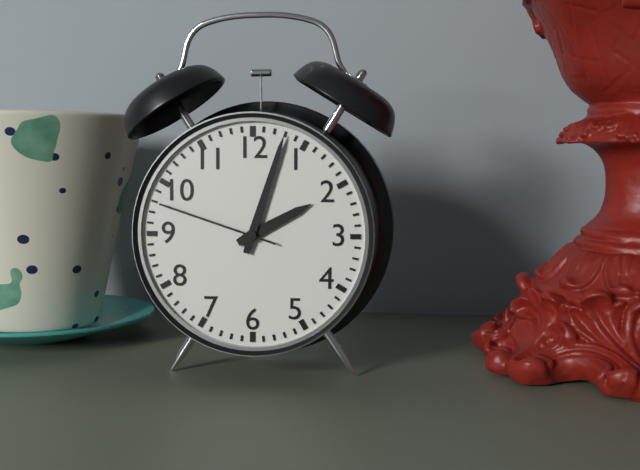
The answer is 2:03:48
